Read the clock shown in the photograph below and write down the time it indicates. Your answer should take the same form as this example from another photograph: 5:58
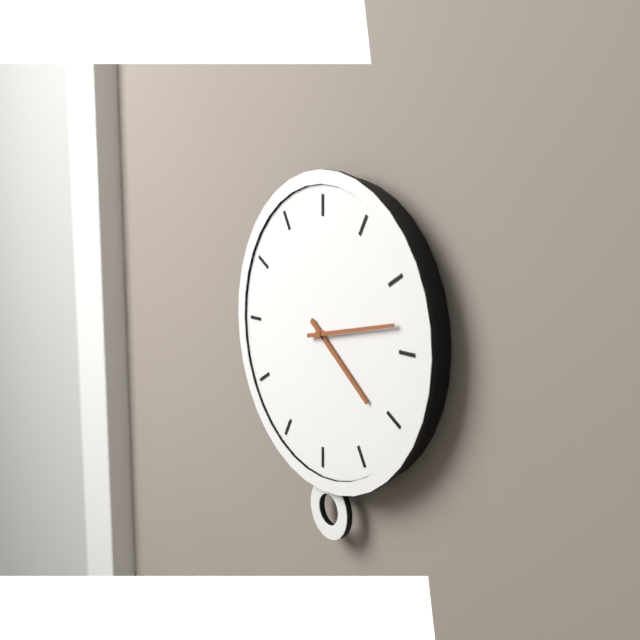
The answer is 4:13
